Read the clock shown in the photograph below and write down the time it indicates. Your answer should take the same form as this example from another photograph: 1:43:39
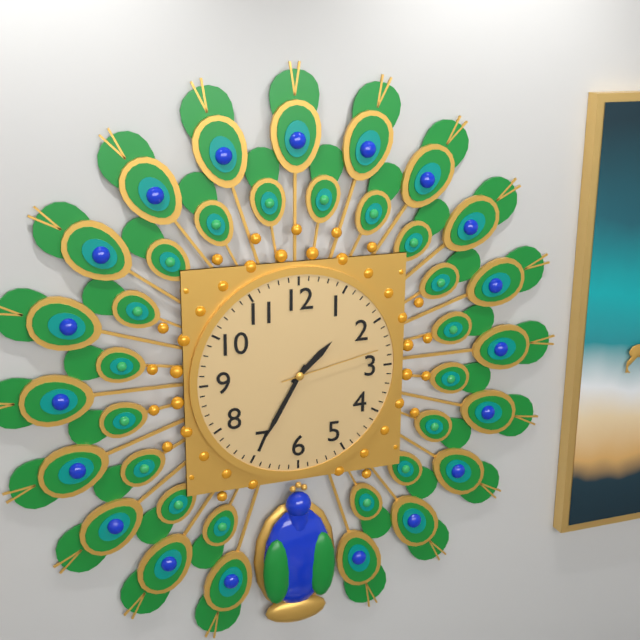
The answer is 1:35:13
